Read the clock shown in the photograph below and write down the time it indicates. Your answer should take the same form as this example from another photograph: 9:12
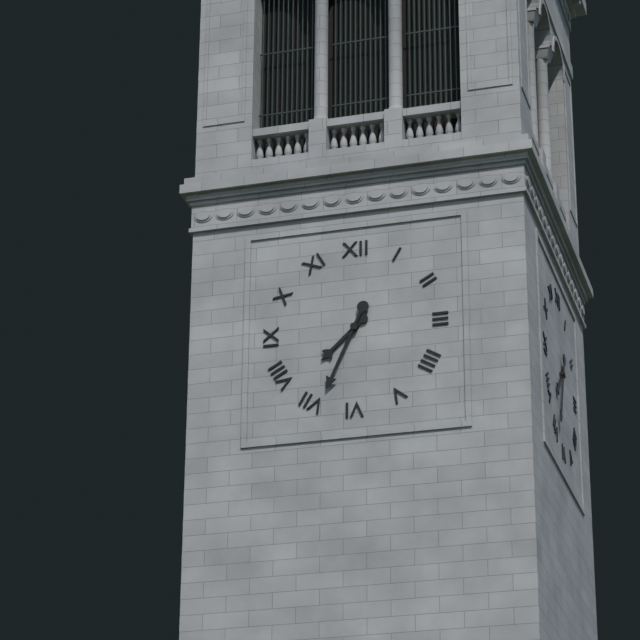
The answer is 7:34
